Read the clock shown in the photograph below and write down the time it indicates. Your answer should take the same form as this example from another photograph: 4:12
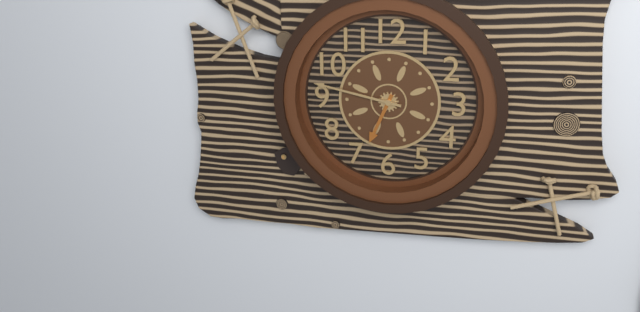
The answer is 6:47
